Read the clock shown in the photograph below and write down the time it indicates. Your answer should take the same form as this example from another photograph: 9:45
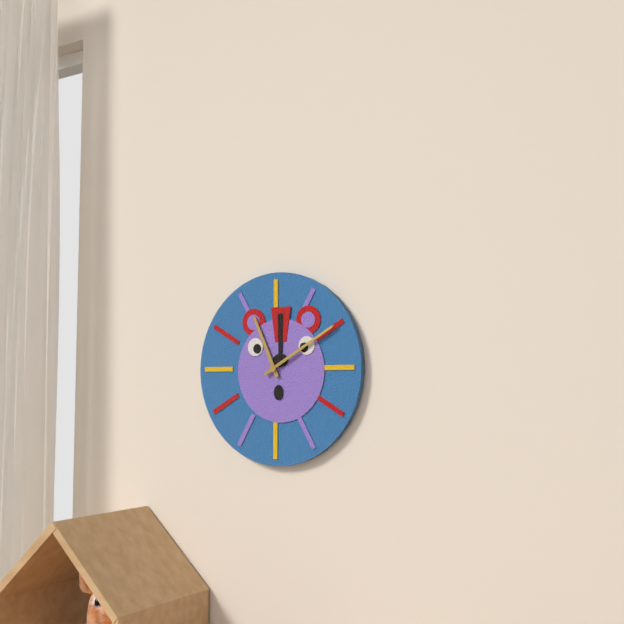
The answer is 11:10
